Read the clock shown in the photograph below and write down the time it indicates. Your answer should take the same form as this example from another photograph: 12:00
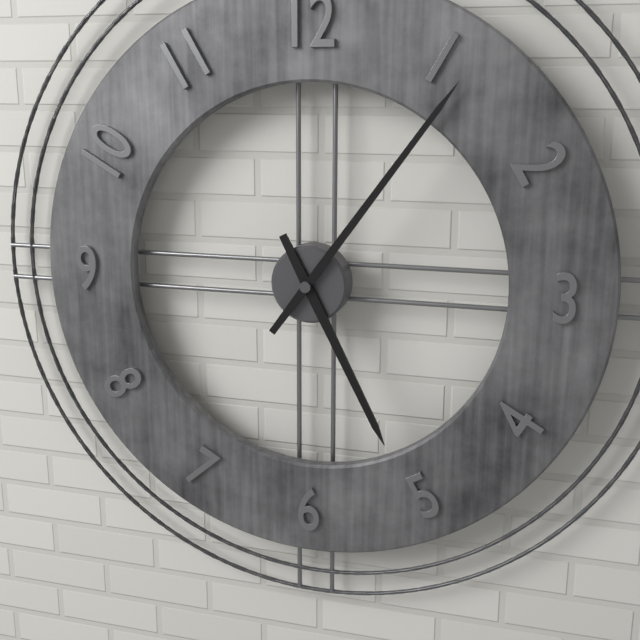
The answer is 5:06
